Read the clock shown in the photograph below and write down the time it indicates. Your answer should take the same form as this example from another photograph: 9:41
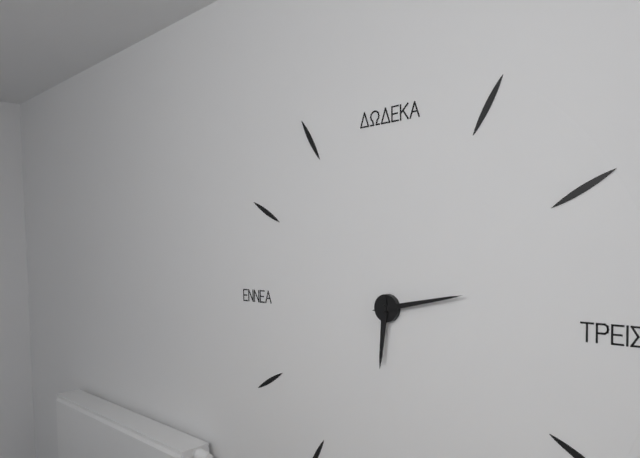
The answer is 6:13
